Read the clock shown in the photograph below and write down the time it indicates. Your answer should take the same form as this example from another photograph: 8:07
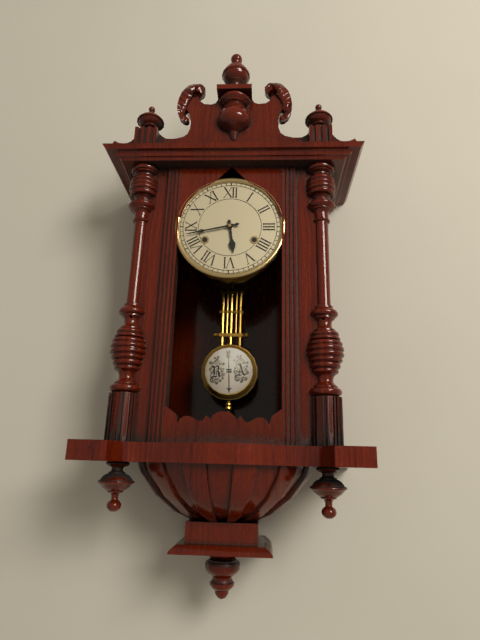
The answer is 5:43
